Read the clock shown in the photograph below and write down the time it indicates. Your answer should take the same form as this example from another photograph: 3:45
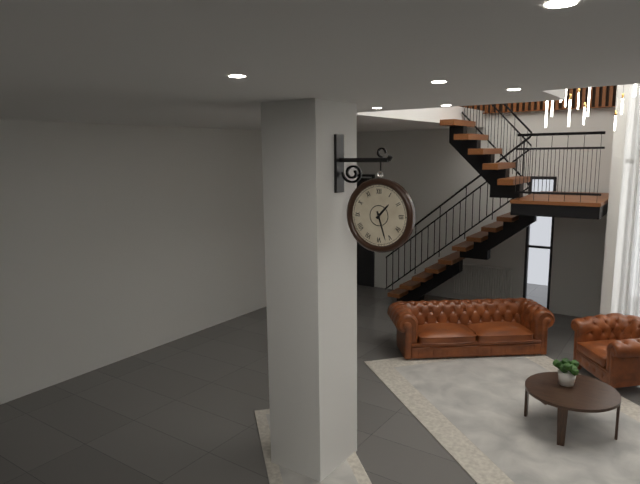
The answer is 1:27
